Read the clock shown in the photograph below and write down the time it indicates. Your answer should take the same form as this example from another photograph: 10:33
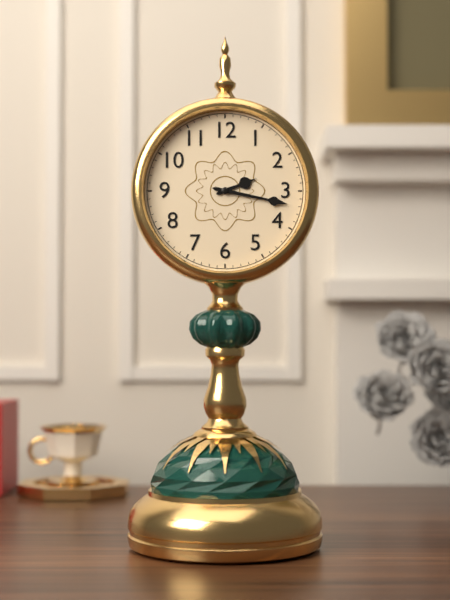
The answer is 2:17
